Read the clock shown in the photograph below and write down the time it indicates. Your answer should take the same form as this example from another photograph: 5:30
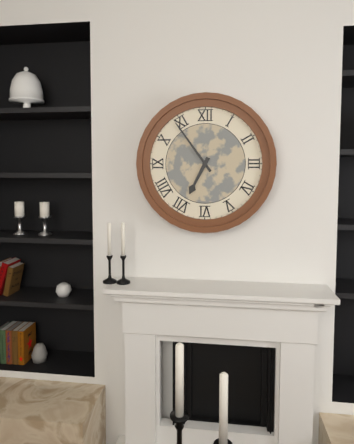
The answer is 6:54
